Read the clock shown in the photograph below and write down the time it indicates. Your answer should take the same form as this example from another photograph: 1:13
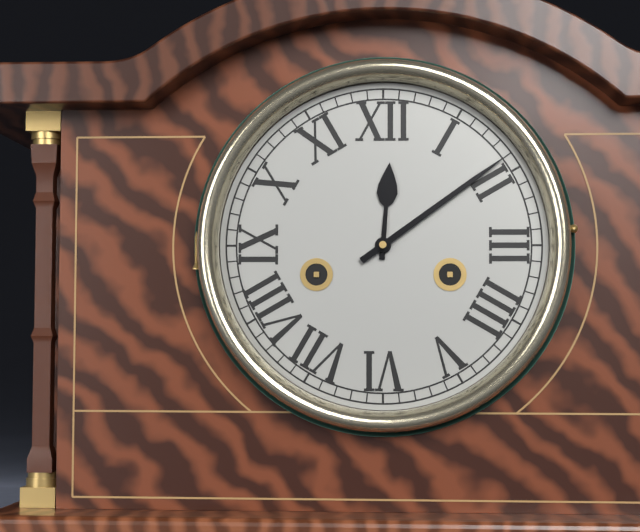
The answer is 12:09
